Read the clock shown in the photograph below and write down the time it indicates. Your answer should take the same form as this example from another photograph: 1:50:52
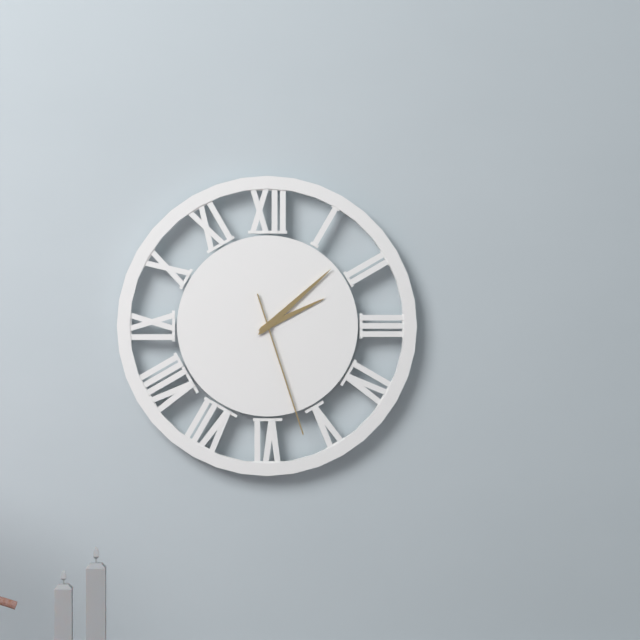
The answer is 2:08:27
